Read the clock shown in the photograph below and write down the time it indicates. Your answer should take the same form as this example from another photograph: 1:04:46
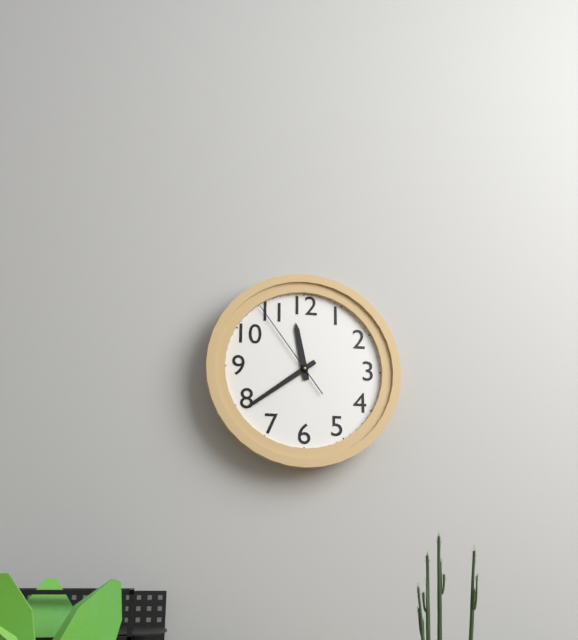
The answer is 11:39:54
